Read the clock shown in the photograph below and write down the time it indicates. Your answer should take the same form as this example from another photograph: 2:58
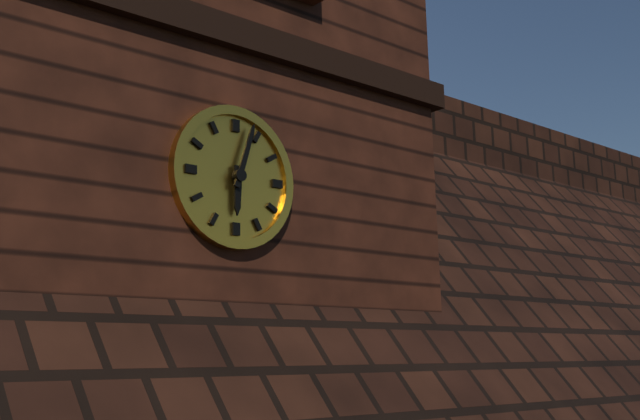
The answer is 6:03
